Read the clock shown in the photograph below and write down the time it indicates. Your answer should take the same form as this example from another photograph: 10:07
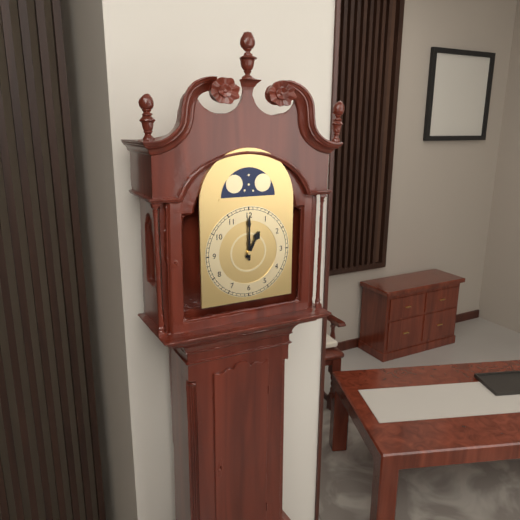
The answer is 1:00
